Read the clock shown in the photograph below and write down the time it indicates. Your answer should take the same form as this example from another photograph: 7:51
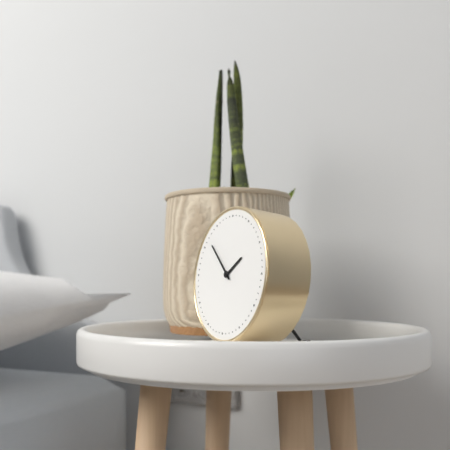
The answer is 1:52
